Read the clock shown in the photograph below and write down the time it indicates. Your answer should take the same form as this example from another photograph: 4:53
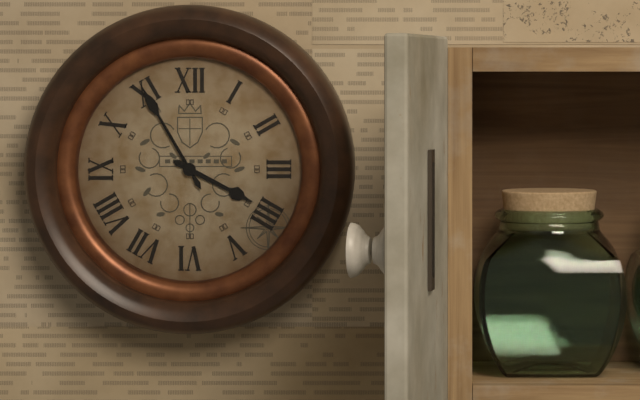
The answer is 3:55
